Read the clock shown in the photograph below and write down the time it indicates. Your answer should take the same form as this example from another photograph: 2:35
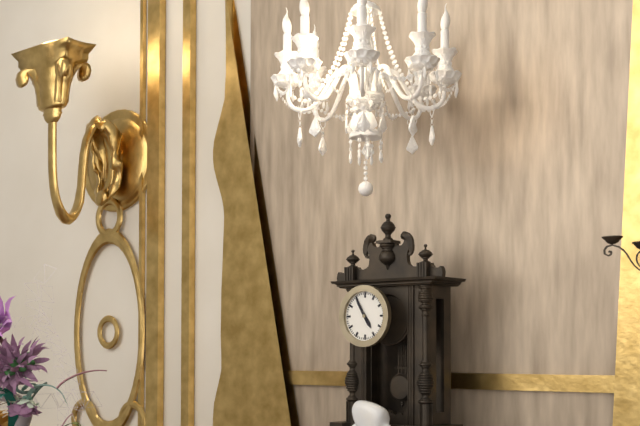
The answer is 4:55
